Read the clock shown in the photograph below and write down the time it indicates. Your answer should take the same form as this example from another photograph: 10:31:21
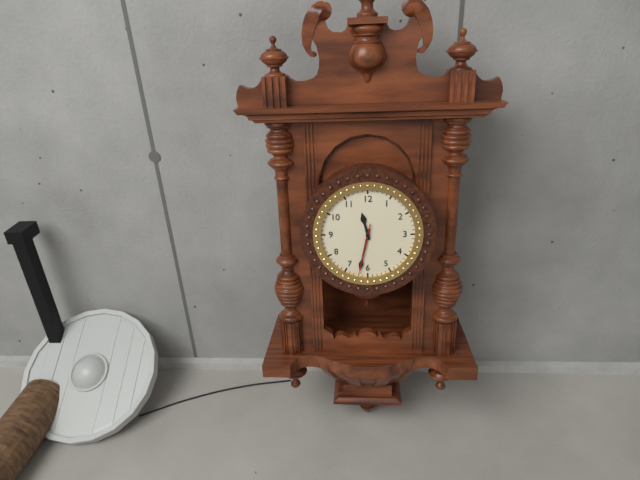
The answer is 11:32:32
